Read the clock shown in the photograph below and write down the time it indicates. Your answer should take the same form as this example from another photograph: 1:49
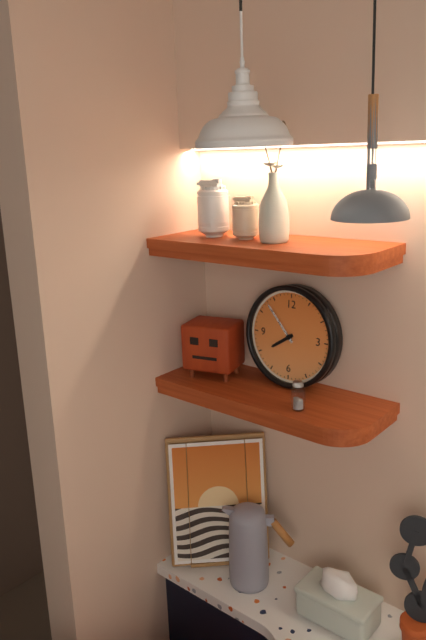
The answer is 7:53
